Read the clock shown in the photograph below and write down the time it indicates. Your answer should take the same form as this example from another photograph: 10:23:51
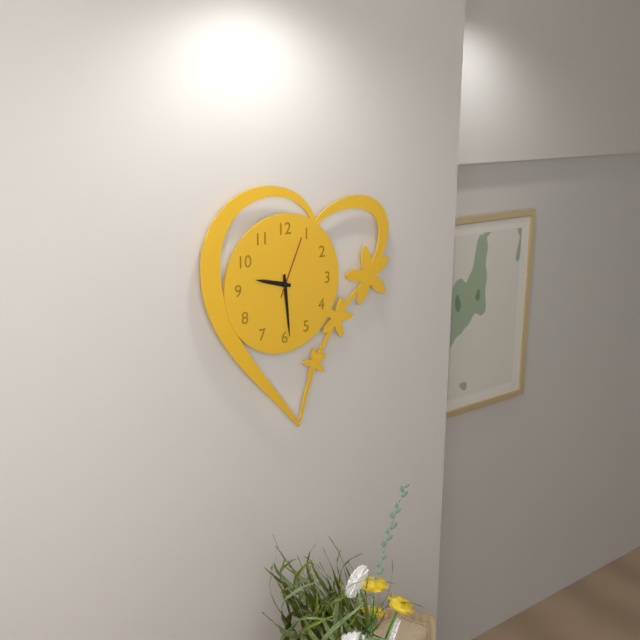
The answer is 9:29:04
